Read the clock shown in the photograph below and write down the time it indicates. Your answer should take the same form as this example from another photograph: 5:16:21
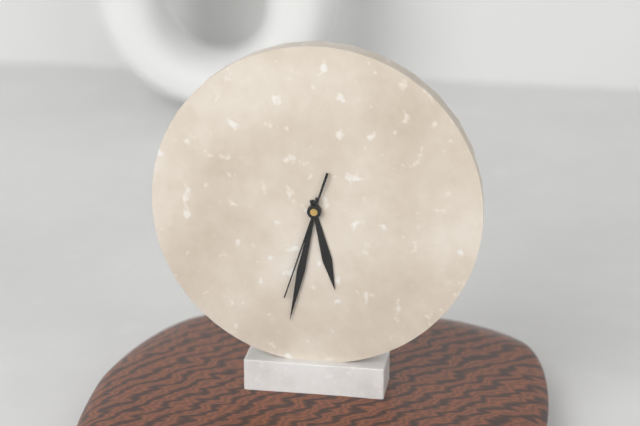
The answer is 5:32:33
